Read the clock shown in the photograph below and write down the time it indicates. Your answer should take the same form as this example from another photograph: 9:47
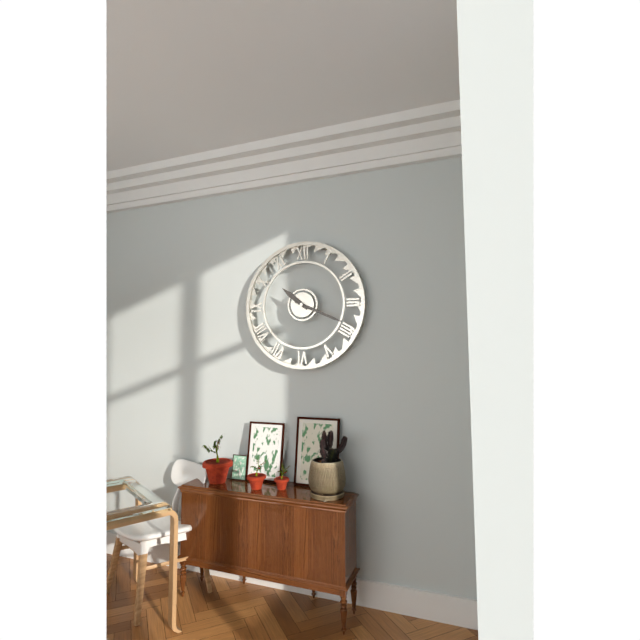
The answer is 10:19
